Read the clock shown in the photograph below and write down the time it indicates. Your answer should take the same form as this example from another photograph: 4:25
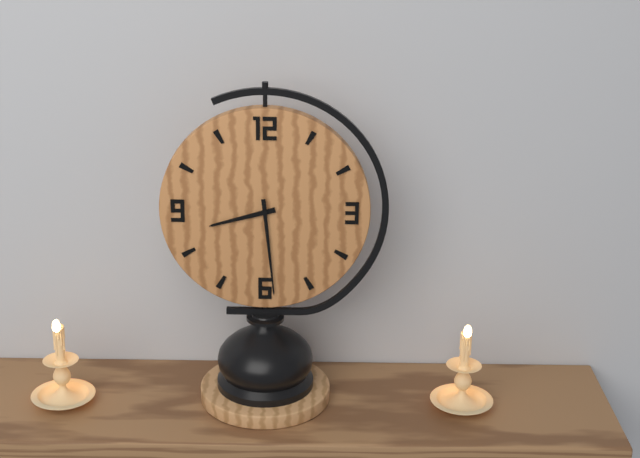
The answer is 8:29
